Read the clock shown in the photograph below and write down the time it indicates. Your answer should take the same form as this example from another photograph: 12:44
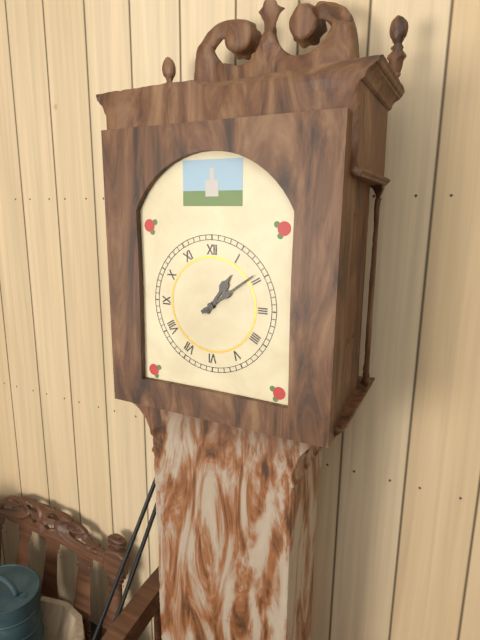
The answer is 1:09
